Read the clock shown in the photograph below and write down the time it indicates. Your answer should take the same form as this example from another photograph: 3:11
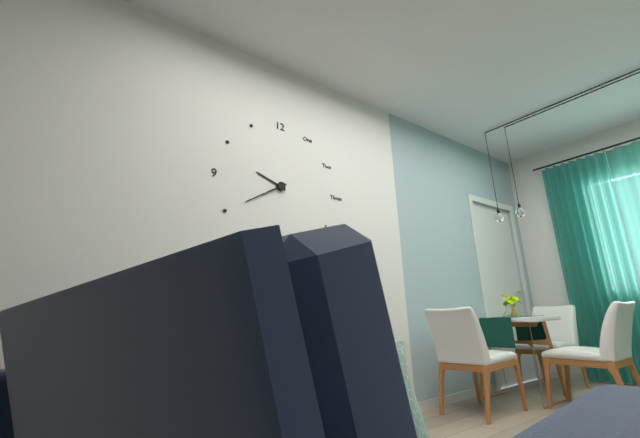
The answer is 9:40
